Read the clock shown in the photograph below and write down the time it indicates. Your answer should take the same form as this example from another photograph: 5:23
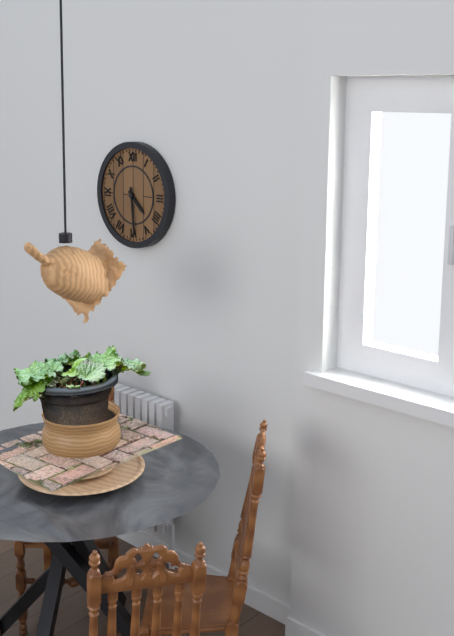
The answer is 4:29
